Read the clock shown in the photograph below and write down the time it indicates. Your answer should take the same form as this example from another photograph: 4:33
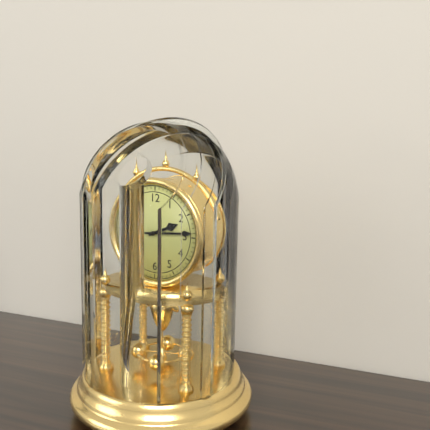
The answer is 2:14
